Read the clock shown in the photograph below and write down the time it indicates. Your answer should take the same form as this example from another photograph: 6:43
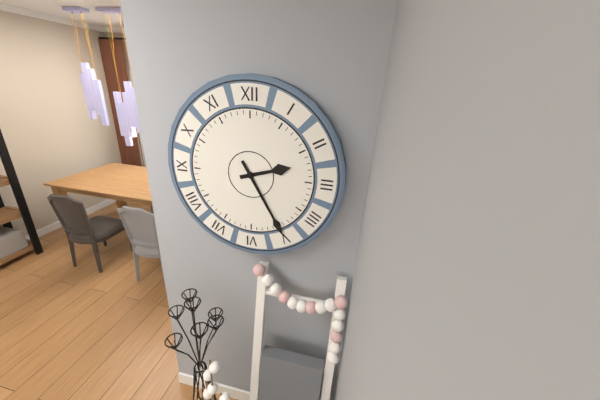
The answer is 2:25
